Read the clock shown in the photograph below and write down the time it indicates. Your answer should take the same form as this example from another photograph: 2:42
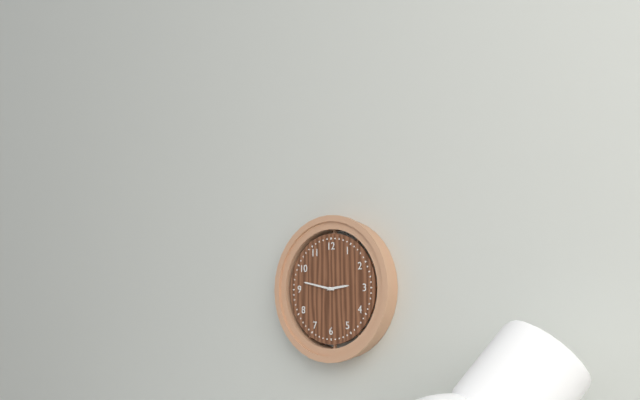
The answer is 2:47
